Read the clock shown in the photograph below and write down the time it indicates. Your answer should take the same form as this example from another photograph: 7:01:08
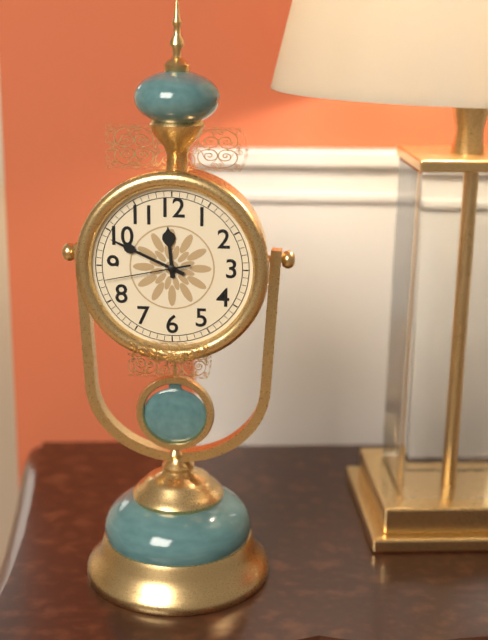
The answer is 11:49:43
